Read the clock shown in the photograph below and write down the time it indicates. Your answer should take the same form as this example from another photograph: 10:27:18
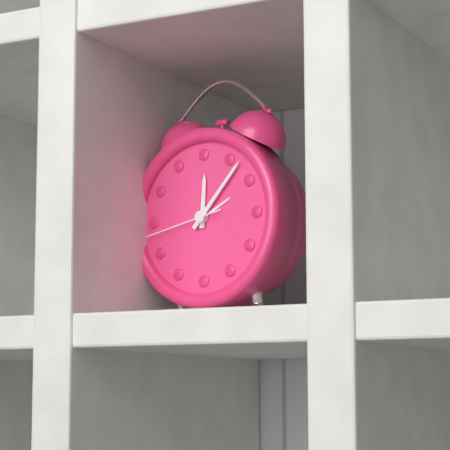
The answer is 12:07:43
